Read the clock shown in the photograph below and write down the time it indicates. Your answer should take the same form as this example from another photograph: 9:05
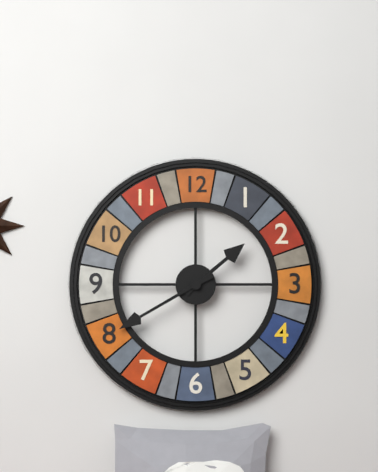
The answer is 1:40
